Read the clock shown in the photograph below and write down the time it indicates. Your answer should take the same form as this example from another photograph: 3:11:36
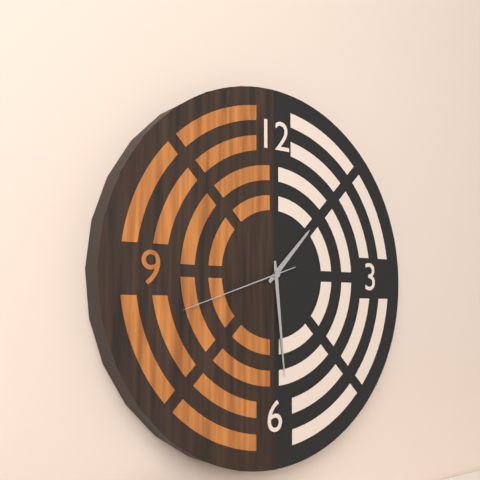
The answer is 1:29:42
